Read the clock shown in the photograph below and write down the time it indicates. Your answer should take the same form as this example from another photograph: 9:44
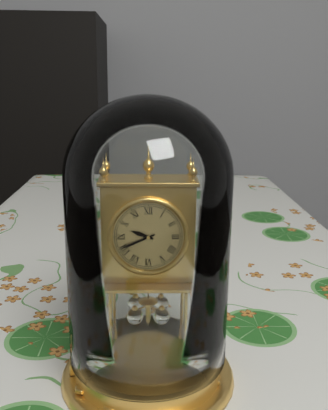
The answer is 9:41
